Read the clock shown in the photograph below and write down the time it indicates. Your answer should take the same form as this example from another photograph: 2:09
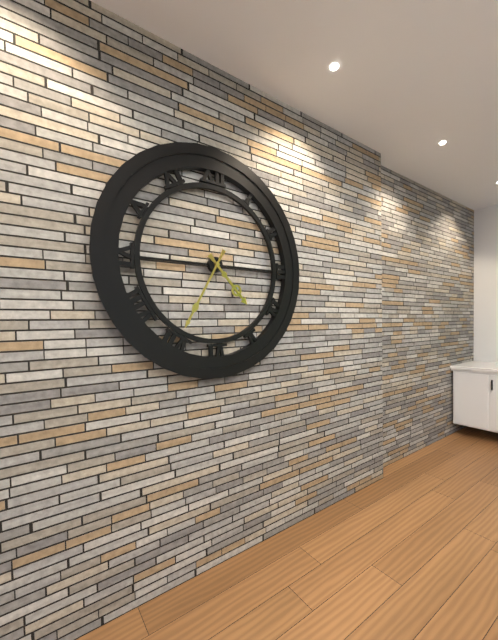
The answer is 4:35
